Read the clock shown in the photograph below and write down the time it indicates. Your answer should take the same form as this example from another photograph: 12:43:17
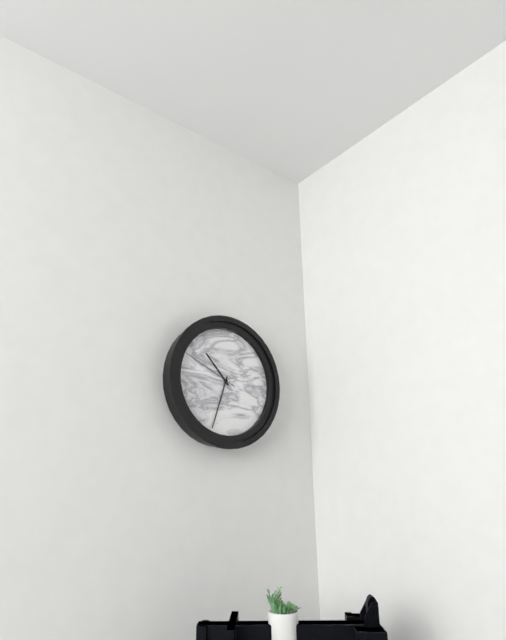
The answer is 10:33:49
